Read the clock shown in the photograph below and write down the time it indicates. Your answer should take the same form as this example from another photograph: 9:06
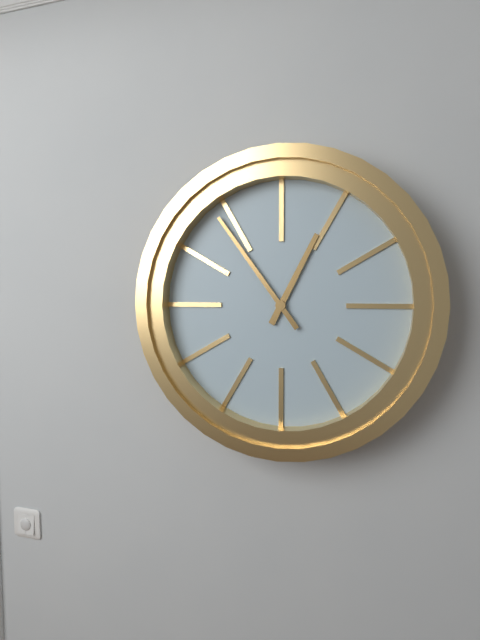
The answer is 12:54
